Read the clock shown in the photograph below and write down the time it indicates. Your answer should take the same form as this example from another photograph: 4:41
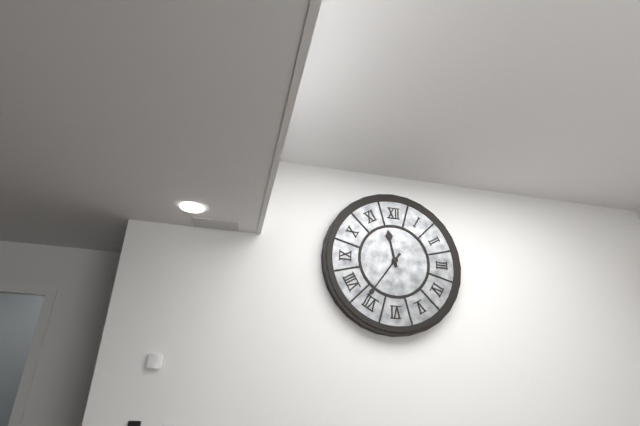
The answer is 11:36
